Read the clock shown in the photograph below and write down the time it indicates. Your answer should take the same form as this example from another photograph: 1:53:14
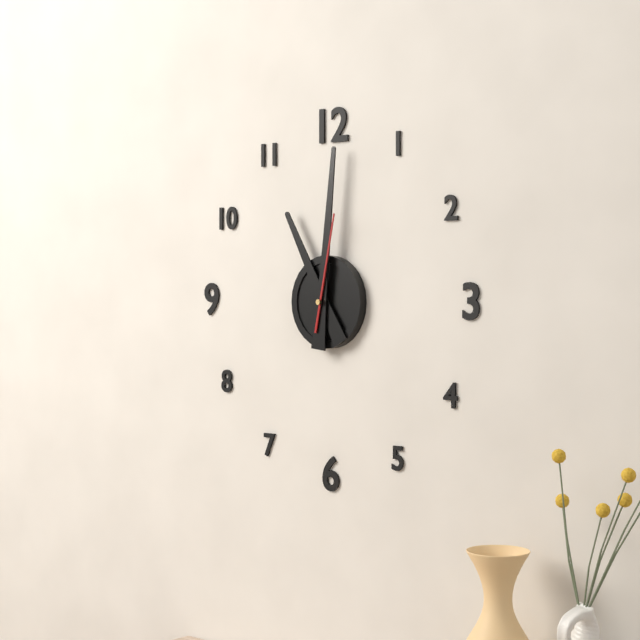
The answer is 11:01:02
